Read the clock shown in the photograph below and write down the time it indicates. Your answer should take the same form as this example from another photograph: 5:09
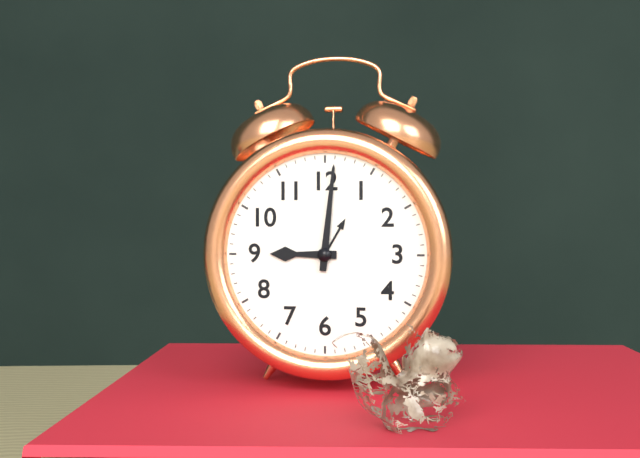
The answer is 9:01
